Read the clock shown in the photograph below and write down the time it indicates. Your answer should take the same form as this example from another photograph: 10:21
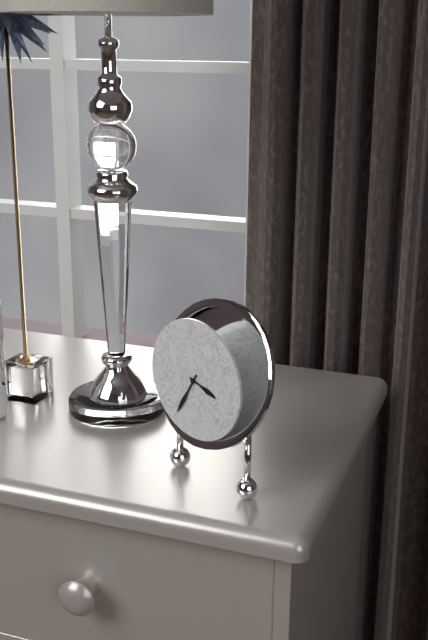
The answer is 3:35
